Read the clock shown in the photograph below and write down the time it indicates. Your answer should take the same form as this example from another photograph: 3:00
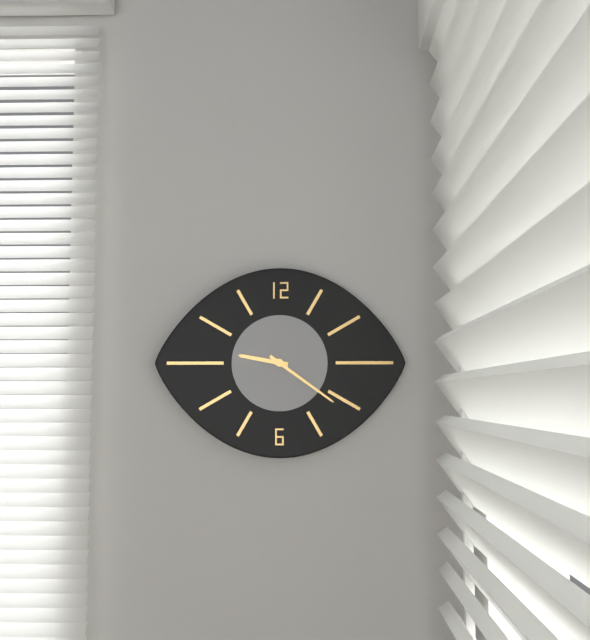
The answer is 9:21
